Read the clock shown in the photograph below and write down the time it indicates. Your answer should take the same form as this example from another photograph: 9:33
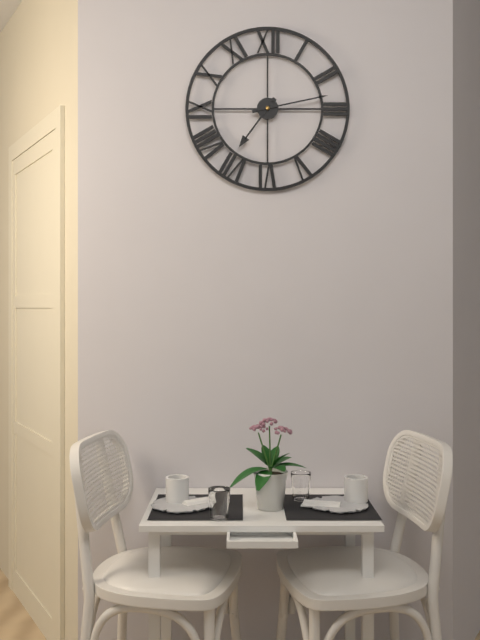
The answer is 7:13
